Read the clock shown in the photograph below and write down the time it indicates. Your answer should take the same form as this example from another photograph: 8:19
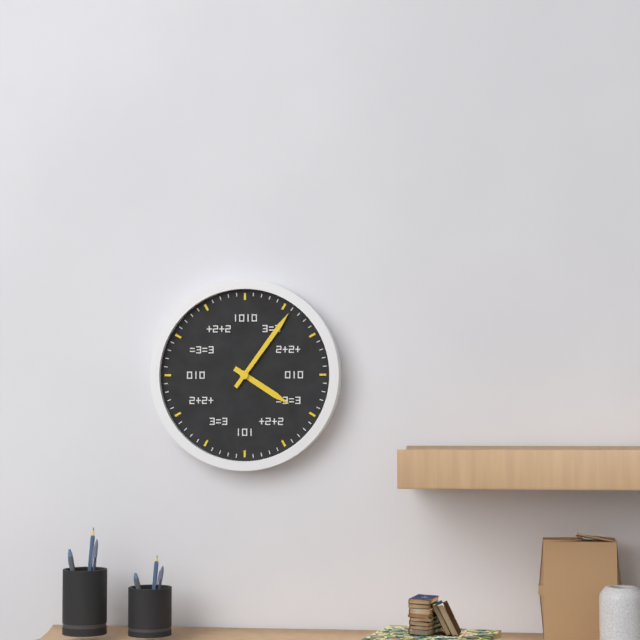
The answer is 4:06
